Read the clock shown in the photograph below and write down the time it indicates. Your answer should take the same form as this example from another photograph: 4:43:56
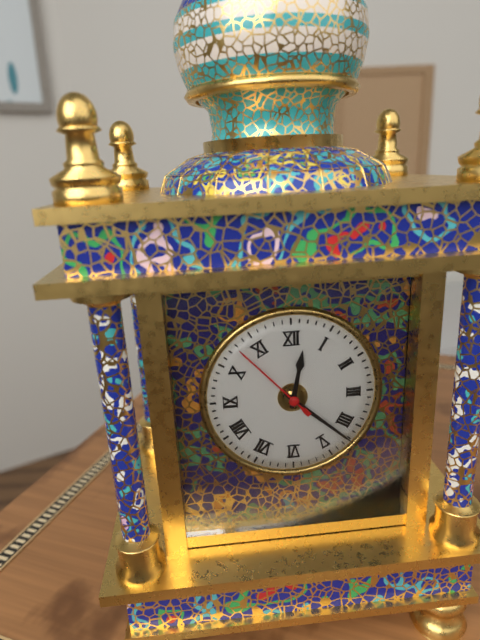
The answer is 12:22:53
